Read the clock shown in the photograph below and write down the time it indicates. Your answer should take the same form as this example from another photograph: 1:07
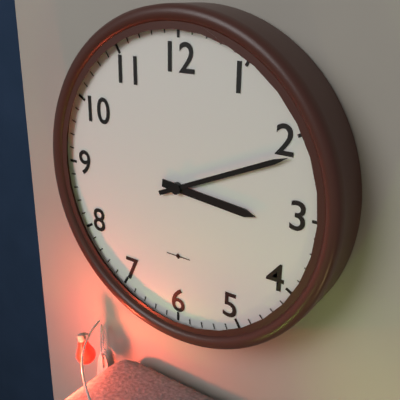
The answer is 3:11
